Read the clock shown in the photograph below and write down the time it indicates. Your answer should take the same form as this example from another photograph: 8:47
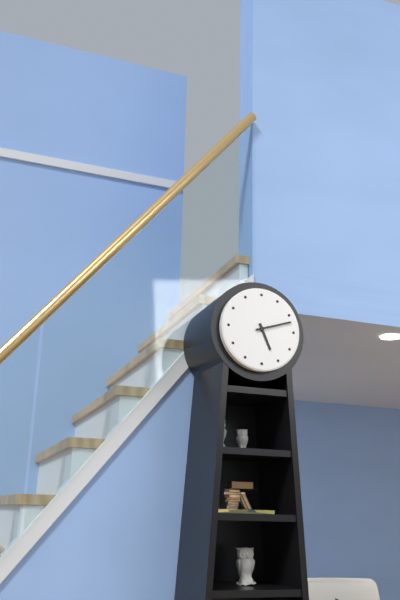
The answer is 5:12
